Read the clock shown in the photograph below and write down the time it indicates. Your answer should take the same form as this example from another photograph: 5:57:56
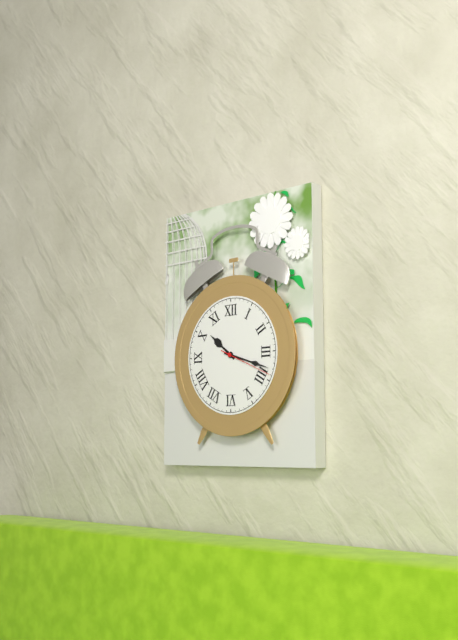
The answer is 10:18:19
